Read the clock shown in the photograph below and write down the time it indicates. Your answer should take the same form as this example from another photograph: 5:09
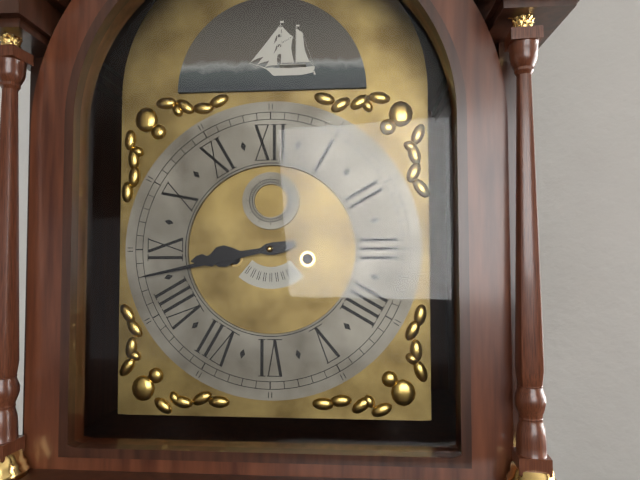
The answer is 8:43
